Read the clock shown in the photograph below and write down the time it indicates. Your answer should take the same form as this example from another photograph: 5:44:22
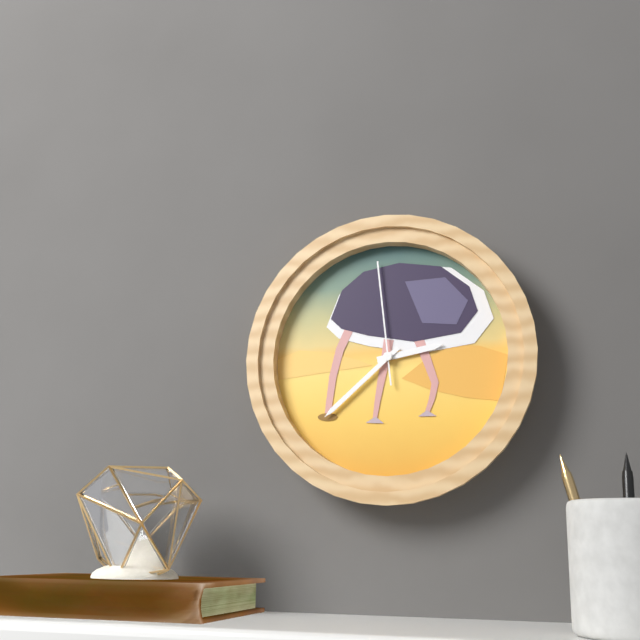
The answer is 2:38:59
